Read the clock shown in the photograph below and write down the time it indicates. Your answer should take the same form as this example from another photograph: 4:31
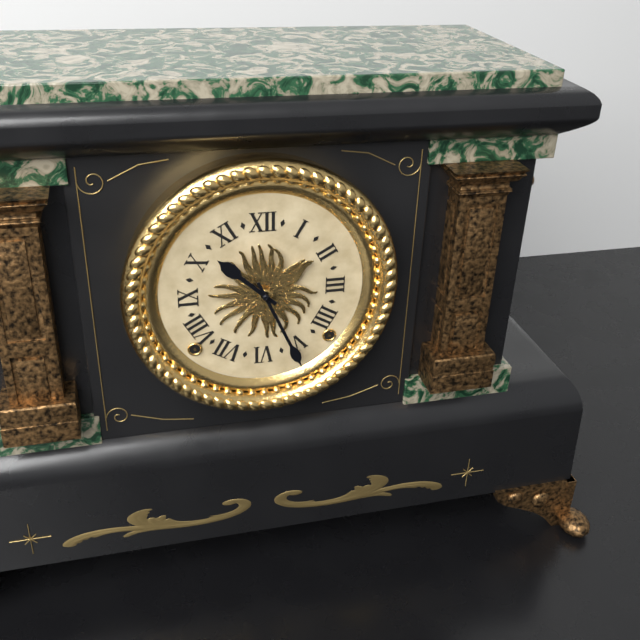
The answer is 10:26
